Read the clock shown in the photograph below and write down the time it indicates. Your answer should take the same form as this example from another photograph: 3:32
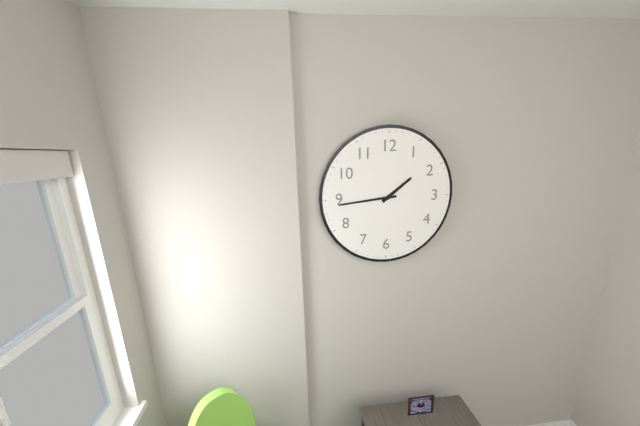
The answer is 1:44
